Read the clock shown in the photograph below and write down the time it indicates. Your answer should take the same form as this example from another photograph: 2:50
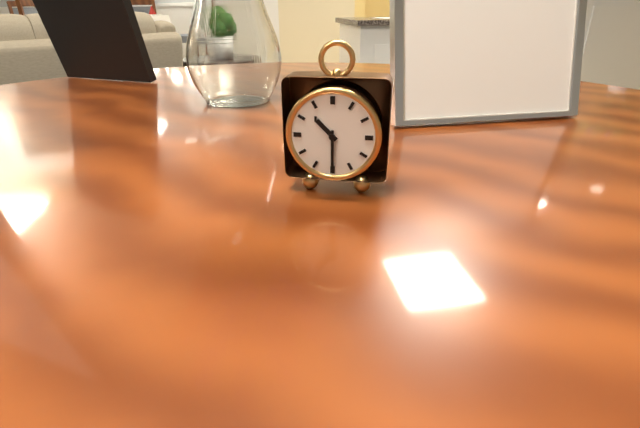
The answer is 10:30
